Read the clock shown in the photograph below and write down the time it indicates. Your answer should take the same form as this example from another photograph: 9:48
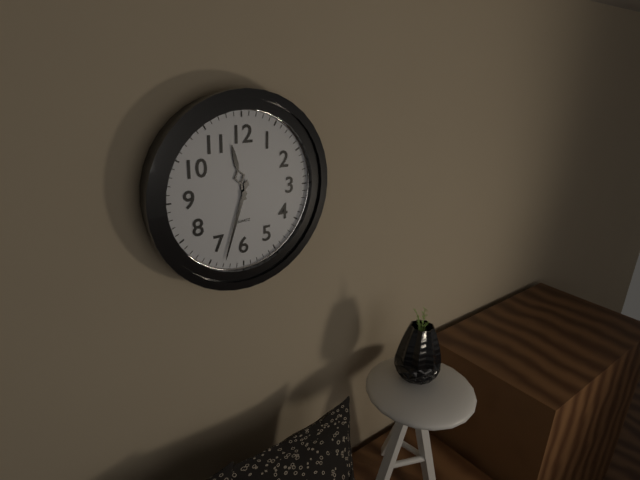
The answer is 11:33
